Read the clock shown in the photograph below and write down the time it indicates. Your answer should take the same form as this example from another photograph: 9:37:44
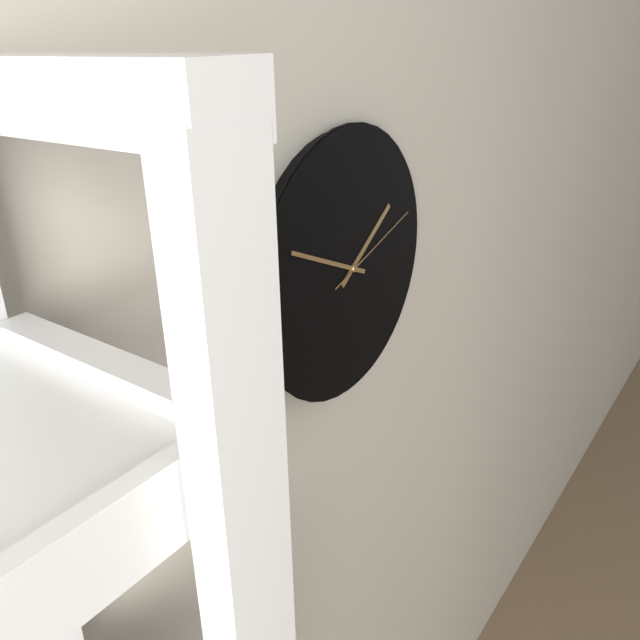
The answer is 1:49:12
